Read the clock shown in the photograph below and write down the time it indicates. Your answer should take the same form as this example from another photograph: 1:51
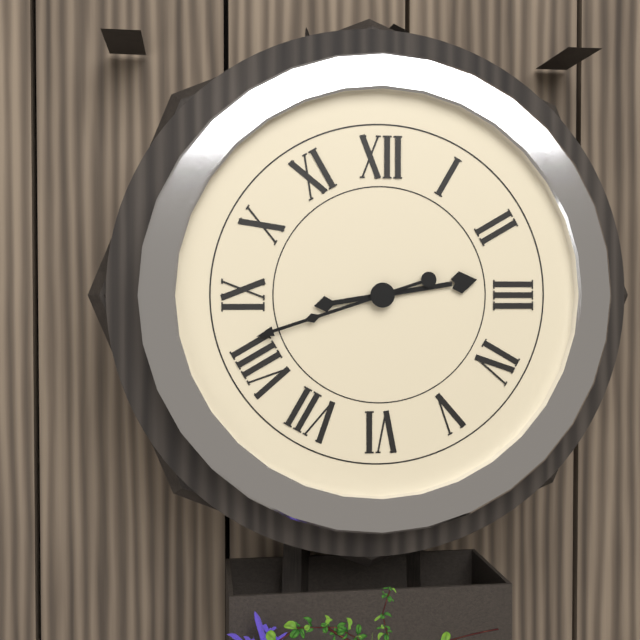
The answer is 2:42
